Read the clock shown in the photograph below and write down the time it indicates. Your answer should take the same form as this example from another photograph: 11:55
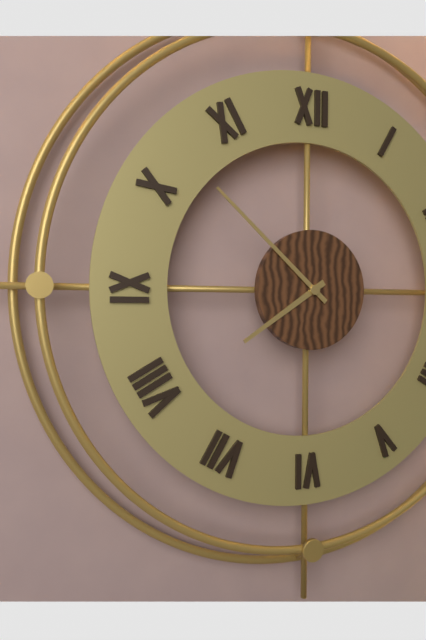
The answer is 7:52
